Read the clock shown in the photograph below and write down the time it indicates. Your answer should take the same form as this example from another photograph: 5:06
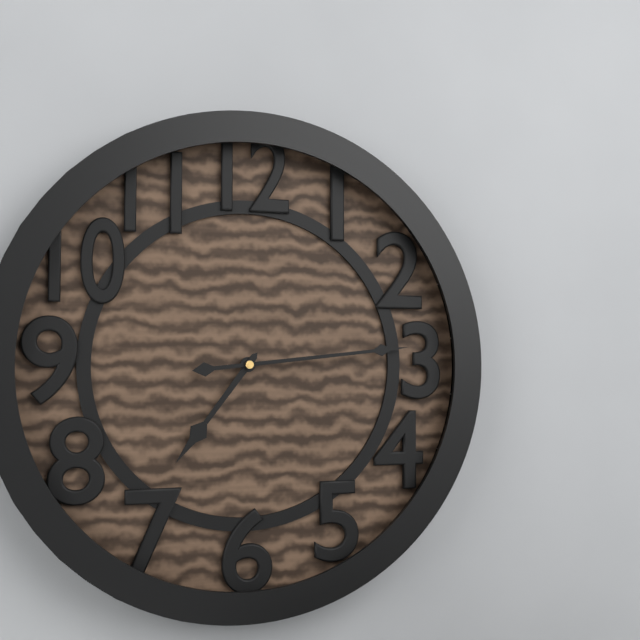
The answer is 7:14
